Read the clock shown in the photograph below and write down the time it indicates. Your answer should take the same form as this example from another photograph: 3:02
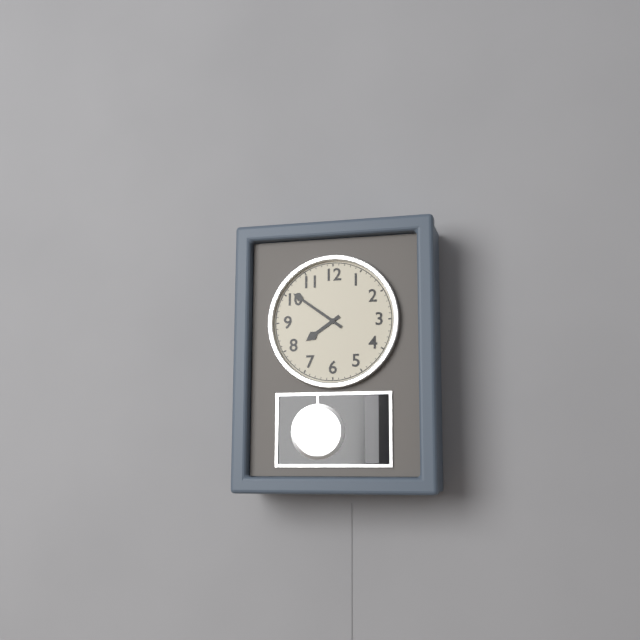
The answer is 7:51
